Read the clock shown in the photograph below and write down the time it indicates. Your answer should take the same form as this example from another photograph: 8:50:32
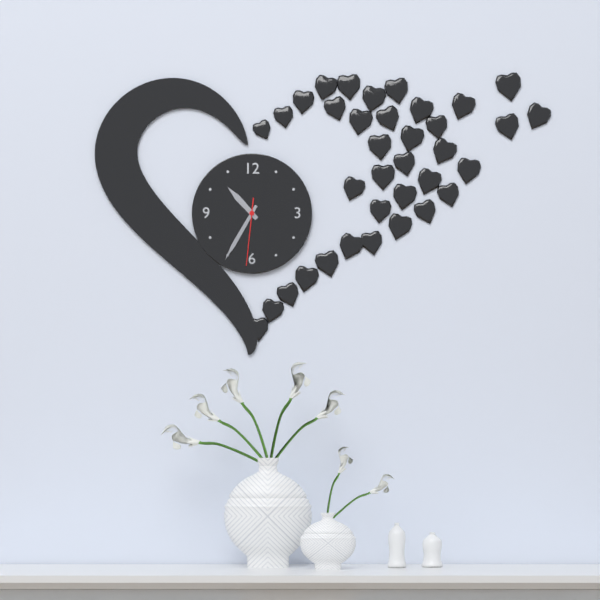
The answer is 10:35:31
